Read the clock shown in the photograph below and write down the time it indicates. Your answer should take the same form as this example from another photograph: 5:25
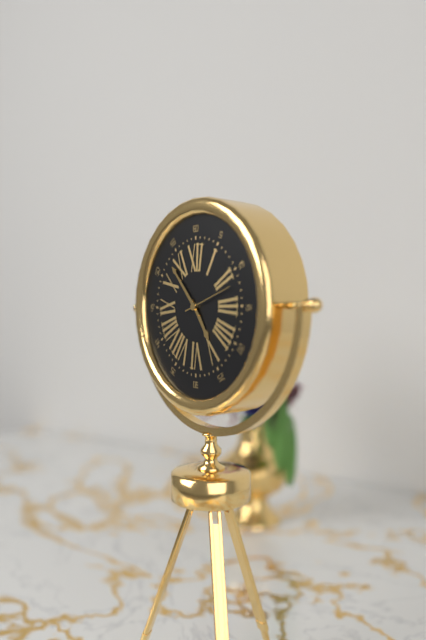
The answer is 4:53
